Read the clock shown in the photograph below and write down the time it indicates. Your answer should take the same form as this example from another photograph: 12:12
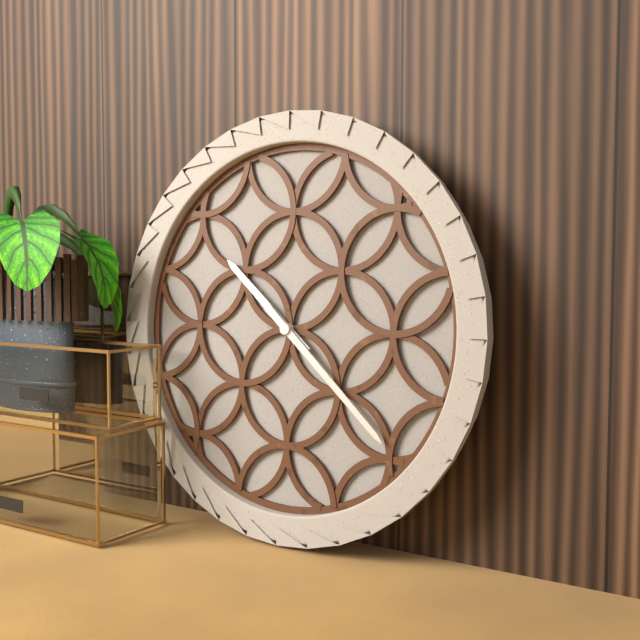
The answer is 10:22
